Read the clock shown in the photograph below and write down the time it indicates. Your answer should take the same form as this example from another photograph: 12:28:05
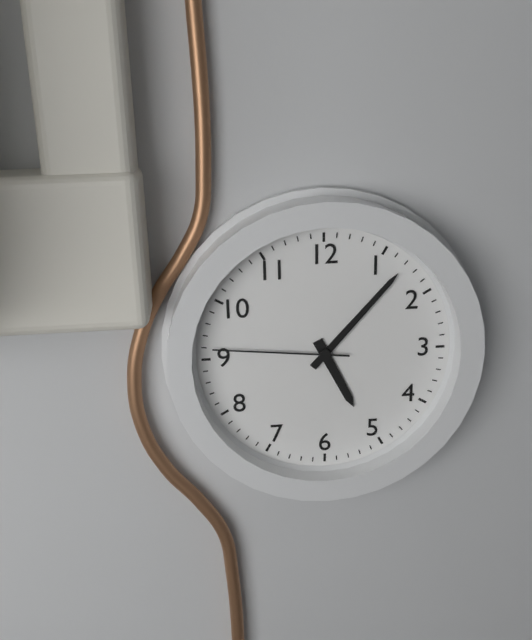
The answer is 5:07:46
